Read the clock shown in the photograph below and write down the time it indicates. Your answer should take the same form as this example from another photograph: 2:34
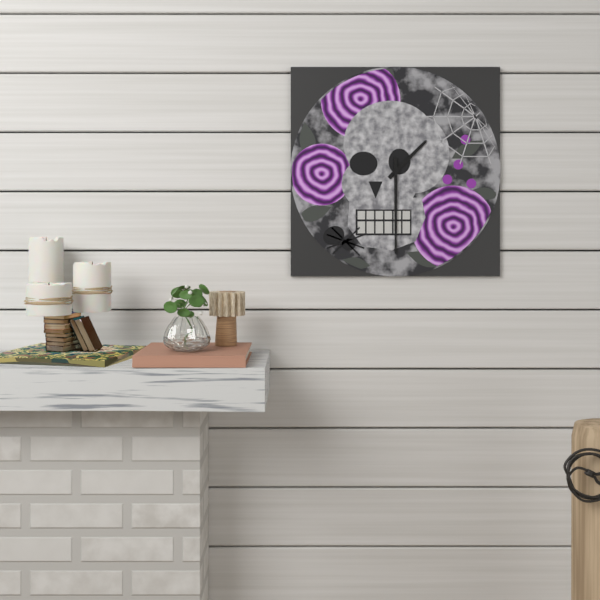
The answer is 1:30
